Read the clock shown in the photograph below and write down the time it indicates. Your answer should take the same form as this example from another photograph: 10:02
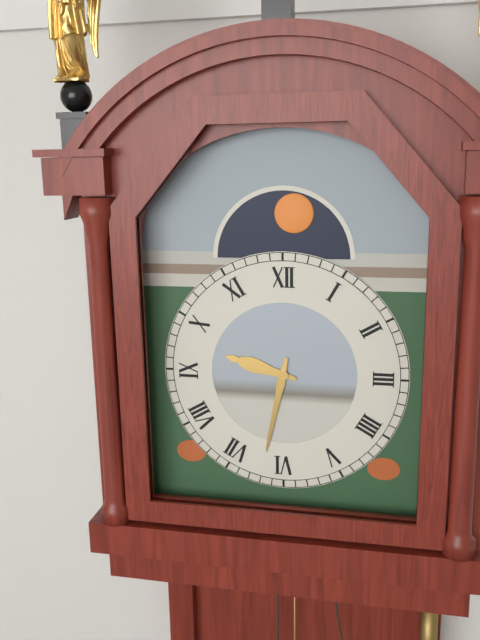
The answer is 9:32
